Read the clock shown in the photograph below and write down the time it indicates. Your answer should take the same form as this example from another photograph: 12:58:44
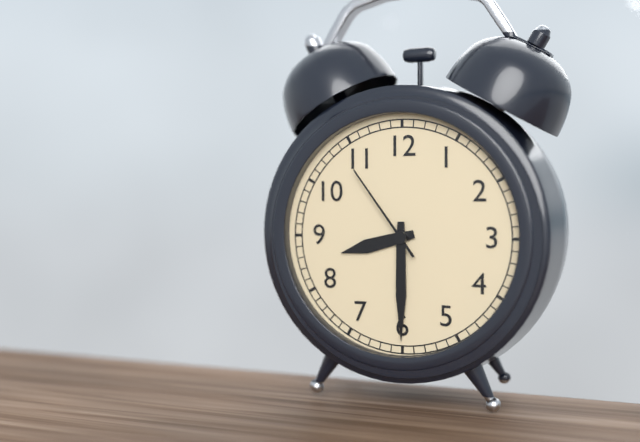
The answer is 8:30:54
